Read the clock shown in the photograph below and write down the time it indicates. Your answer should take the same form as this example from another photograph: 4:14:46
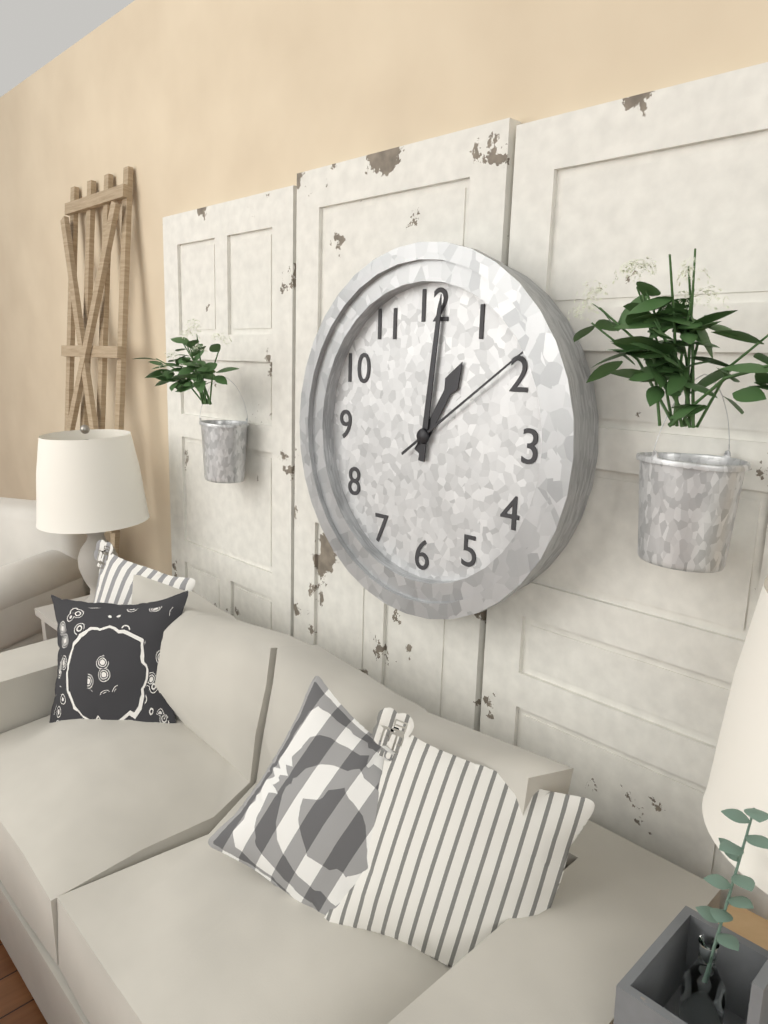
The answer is 1:01:09
